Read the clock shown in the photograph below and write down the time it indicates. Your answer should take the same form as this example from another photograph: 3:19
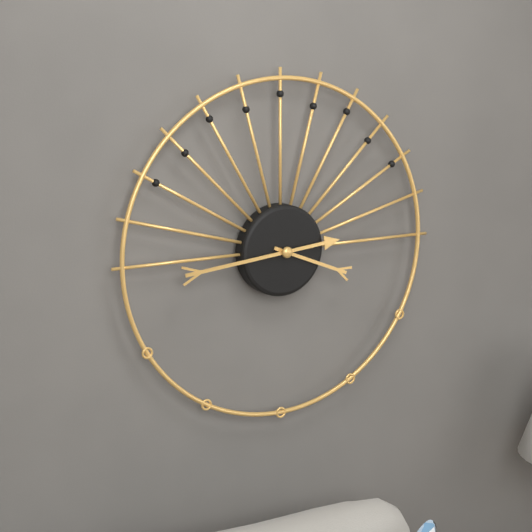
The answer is 3:44
